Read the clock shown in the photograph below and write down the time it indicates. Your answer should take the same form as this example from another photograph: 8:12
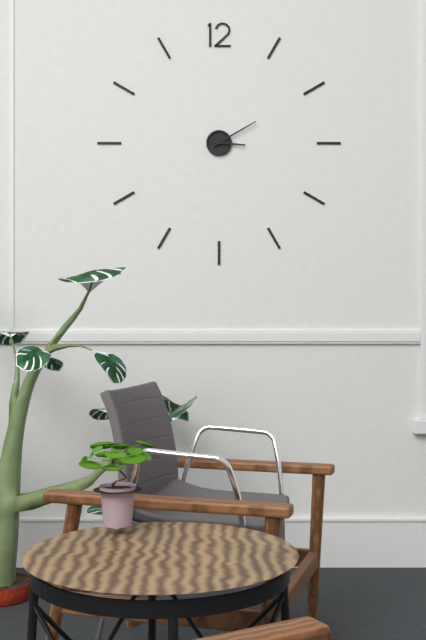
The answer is 3:10
